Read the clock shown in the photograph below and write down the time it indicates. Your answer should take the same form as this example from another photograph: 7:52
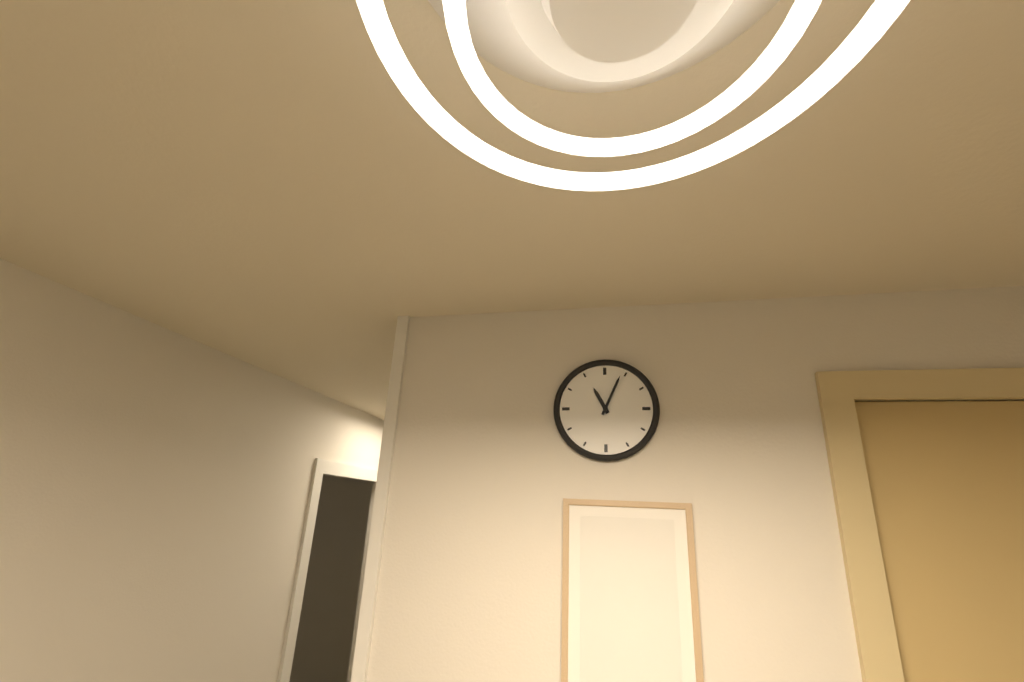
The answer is 11:04
